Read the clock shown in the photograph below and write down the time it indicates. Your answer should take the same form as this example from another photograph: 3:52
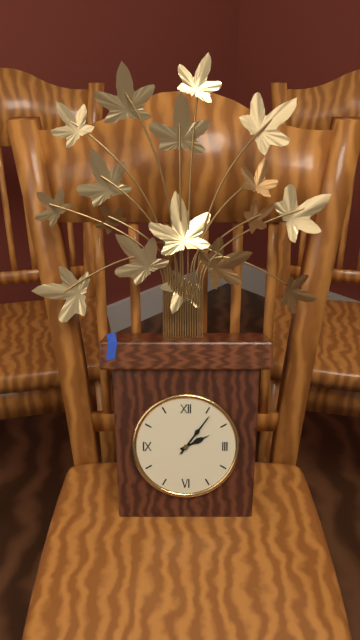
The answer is 2:06
